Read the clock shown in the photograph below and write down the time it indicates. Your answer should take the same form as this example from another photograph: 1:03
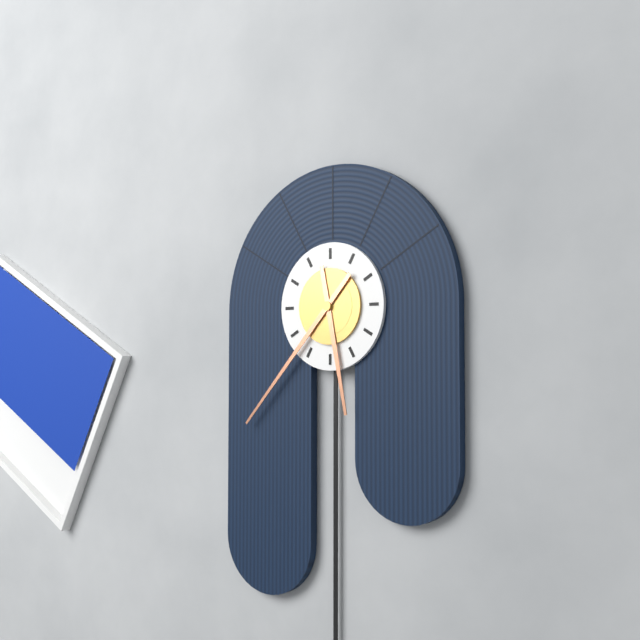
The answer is 5:37
